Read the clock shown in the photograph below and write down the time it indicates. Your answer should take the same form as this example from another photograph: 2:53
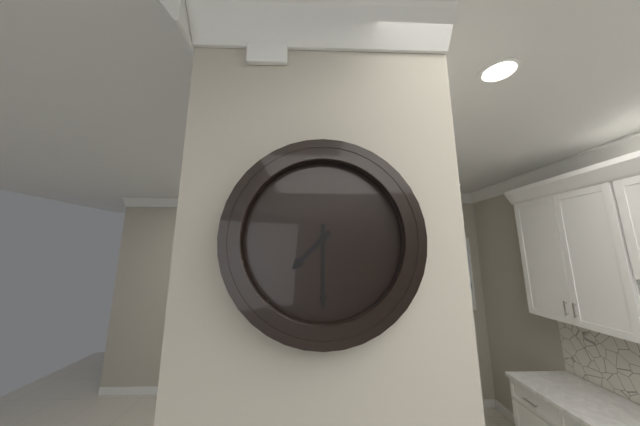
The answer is 7:30
